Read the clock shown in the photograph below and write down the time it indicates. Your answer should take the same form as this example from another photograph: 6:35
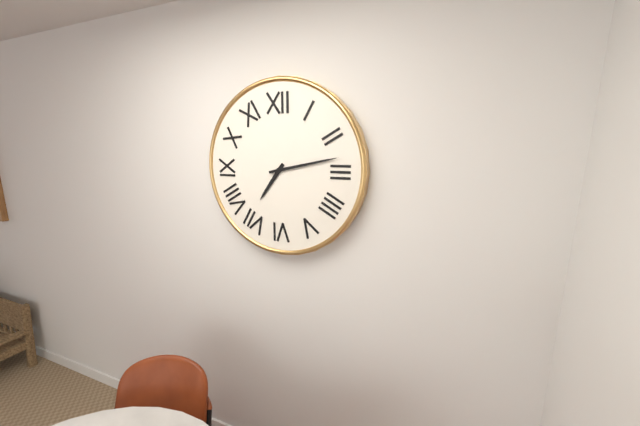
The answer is 7:13
